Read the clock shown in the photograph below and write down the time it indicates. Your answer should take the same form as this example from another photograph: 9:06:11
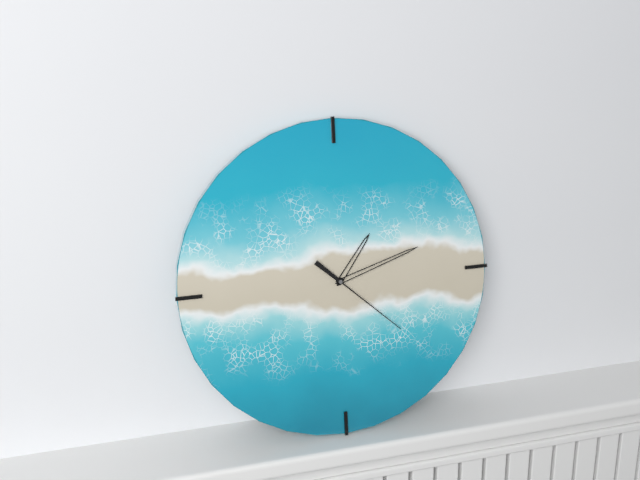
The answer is 1:12:22
